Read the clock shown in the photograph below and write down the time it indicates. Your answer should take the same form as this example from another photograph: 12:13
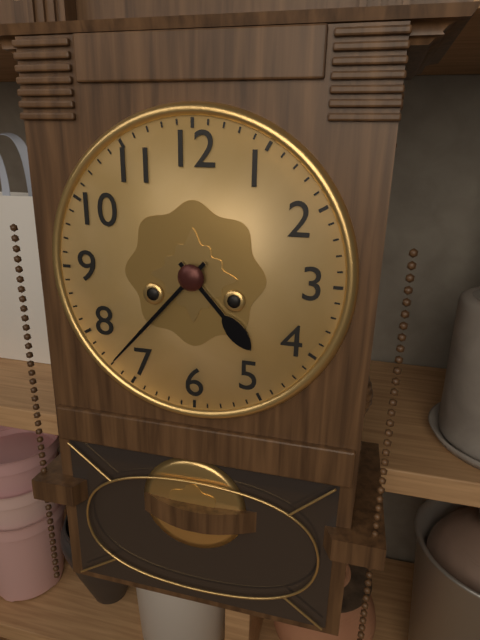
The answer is 4:37
